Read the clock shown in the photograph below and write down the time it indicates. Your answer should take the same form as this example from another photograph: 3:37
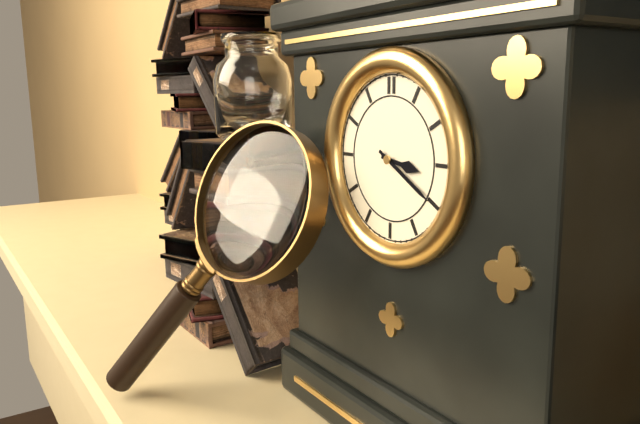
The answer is 3:20
